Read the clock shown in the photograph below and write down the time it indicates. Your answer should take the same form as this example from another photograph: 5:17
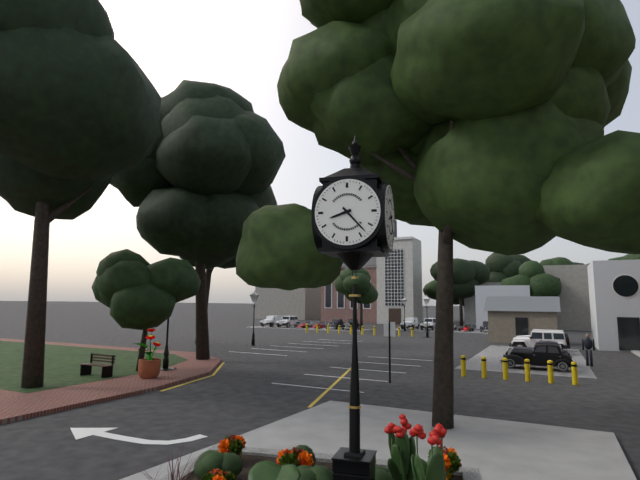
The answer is 8:23
